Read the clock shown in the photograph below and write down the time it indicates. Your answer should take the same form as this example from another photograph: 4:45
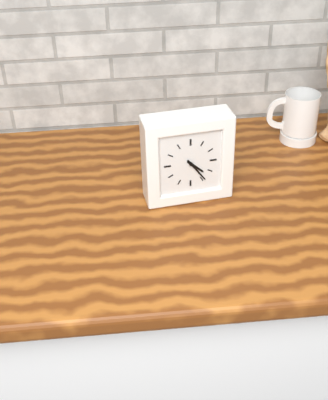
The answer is 4:24
